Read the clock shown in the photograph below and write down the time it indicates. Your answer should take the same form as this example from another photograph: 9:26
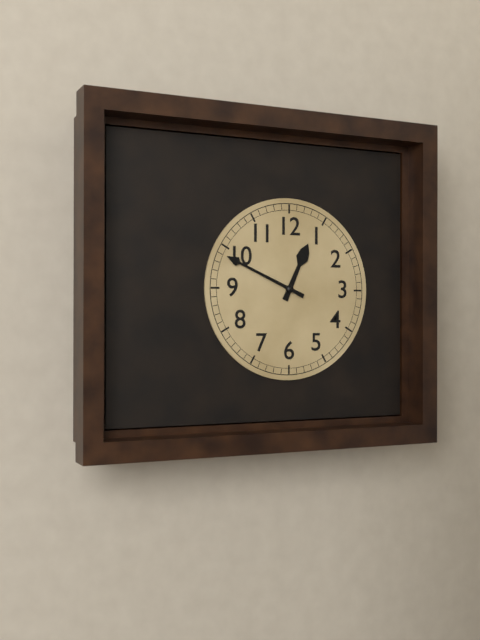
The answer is 12:49
